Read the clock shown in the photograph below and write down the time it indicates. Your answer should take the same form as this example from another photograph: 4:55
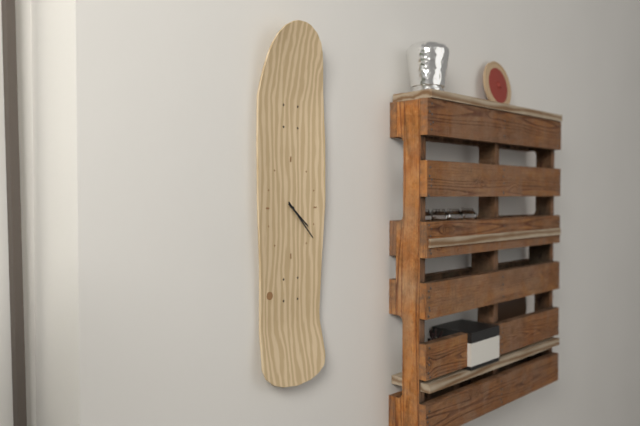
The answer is 4:23
